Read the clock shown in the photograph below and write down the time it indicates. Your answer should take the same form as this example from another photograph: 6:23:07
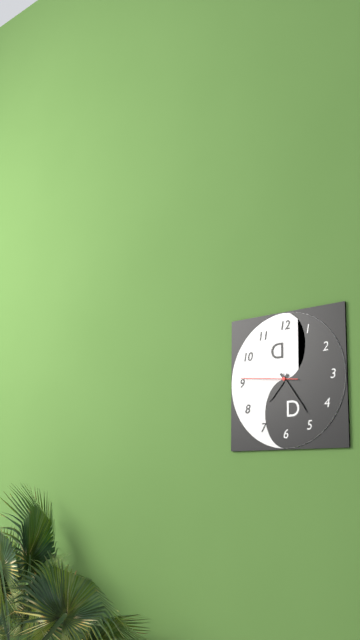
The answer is 7:24:46
